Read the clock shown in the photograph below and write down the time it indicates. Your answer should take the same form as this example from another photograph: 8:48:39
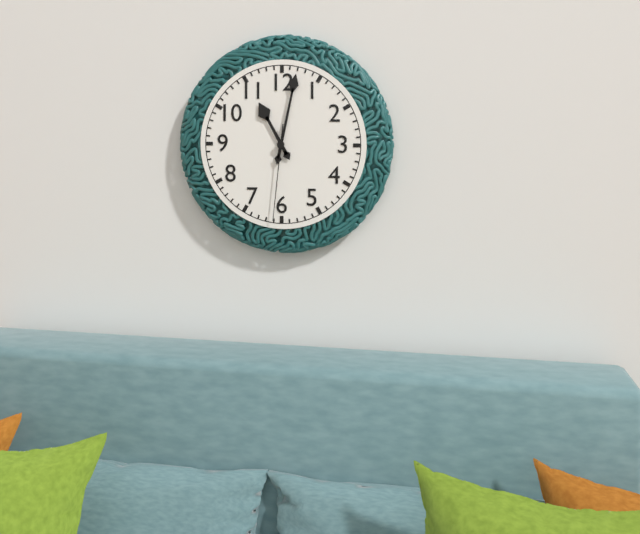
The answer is 11:02:31
